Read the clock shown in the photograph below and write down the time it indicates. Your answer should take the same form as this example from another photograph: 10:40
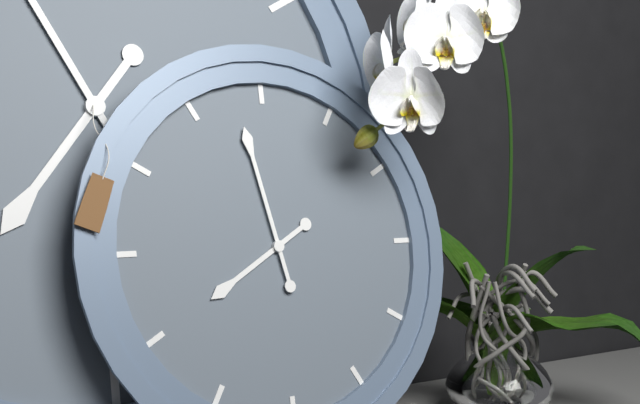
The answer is 7:58
